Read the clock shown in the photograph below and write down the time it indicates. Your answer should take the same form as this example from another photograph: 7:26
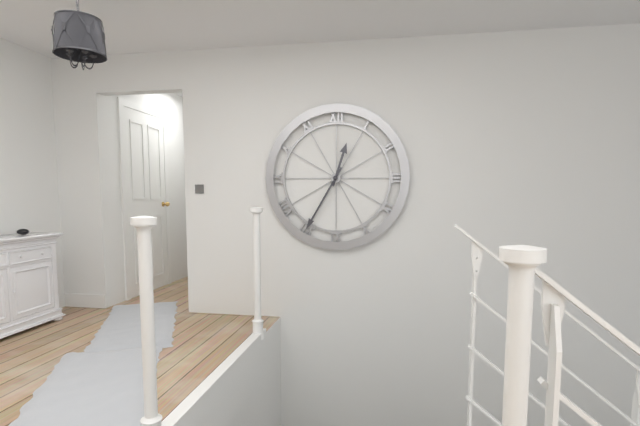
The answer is 12:35
